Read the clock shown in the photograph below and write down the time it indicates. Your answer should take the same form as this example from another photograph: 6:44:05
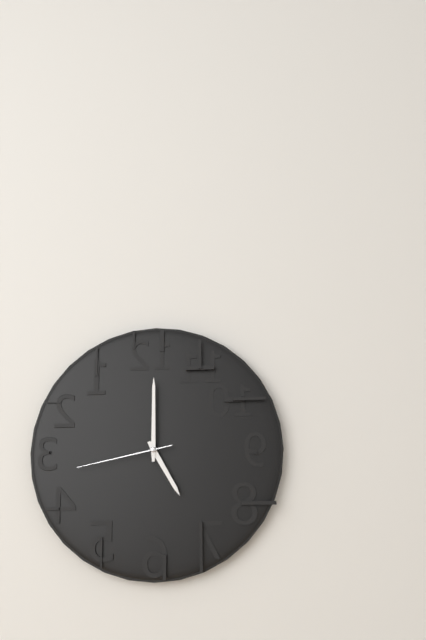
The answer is 5:00:43
